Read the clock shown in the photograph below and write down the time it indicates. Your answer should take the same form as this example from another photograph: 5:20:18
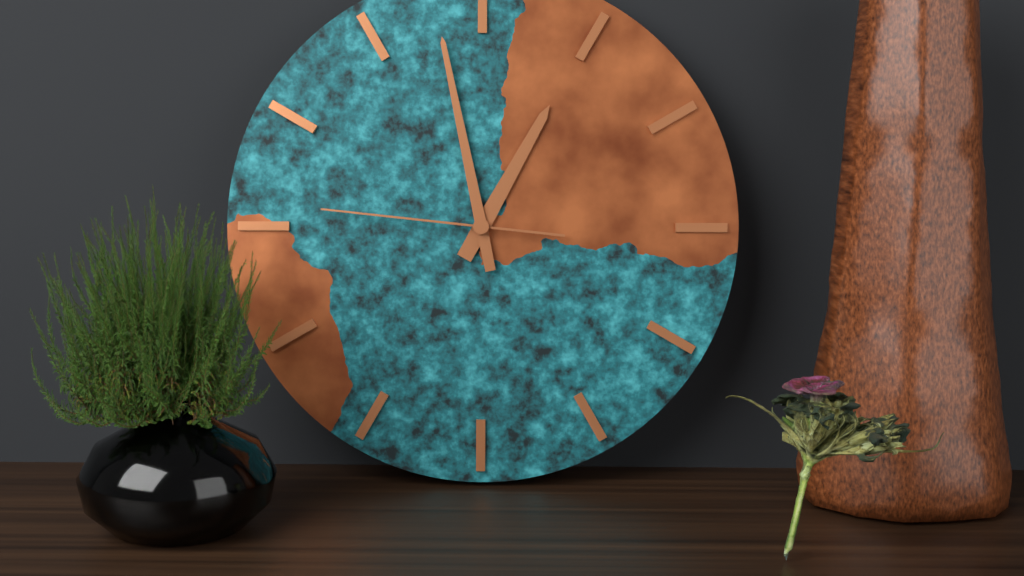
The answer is 12:58:46
